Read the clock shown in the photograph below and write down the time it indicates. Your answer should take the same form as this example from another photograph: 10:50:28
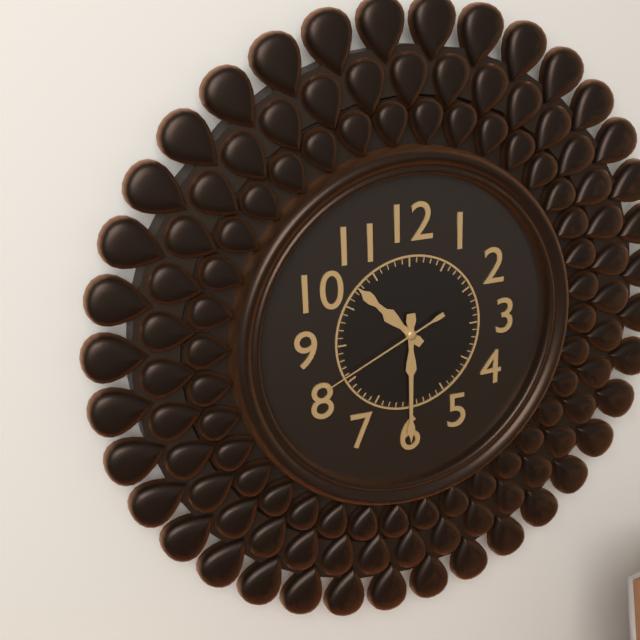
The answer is 10:30:41
